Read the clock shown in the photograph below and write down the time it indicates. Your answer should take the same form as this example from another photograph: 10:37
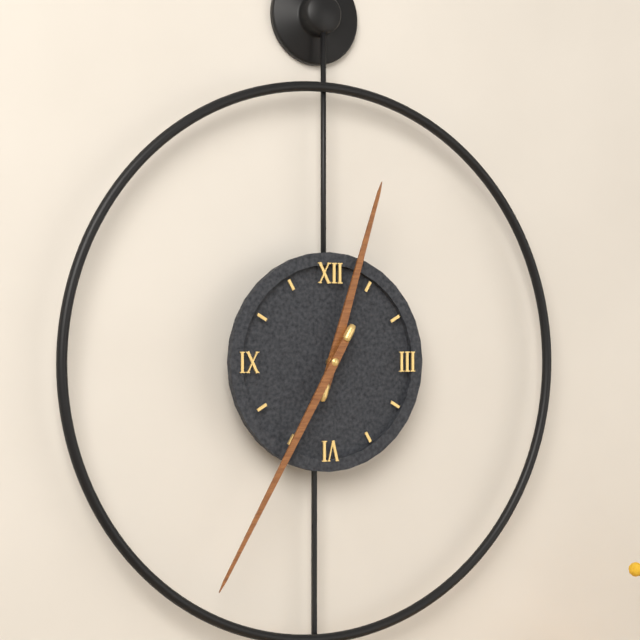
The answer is 12:35
